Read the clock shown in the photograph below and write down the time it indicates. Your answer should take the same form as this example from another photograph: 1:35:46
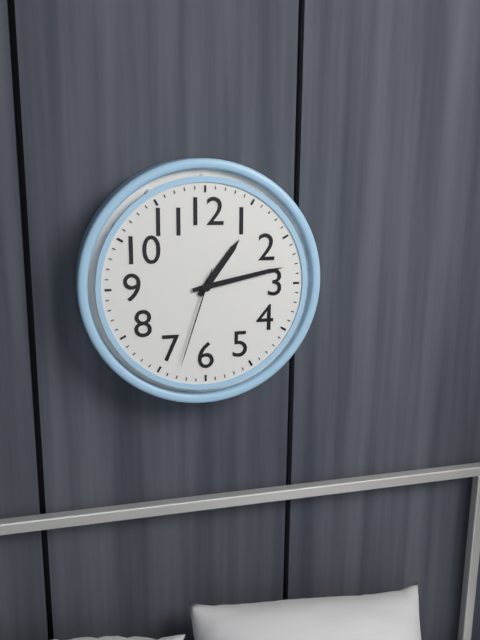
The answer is 1:13:33
